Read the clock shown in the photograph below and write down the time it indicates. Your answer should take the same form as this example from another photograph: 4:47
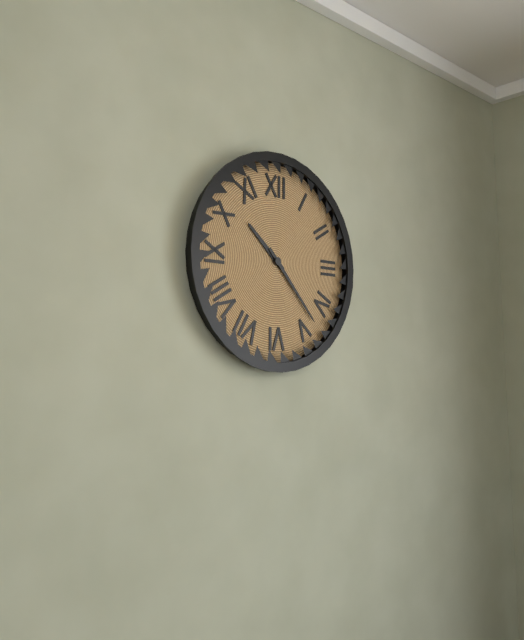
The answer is 10:23
